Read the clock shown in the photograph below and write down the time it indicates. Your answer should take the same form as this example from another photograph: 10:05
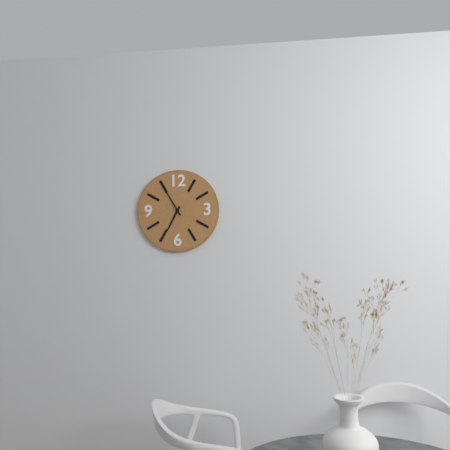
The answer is 6:55
